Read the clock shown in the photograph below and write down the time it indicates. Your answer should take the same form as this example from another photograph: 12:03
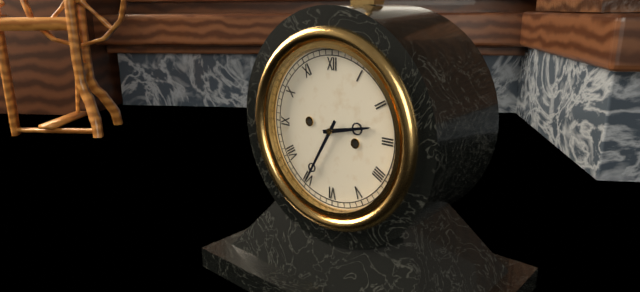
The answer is 2:35
